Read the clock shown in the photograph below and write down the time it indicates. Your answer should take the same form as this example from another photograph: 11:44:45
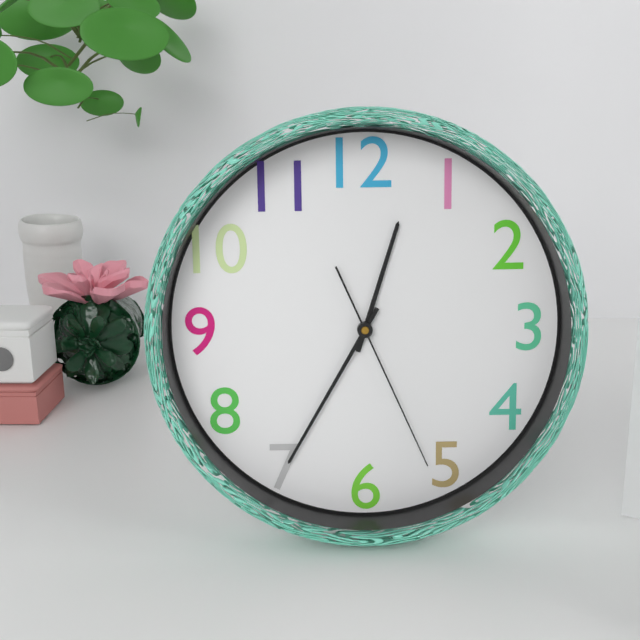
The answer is 12:35:26
